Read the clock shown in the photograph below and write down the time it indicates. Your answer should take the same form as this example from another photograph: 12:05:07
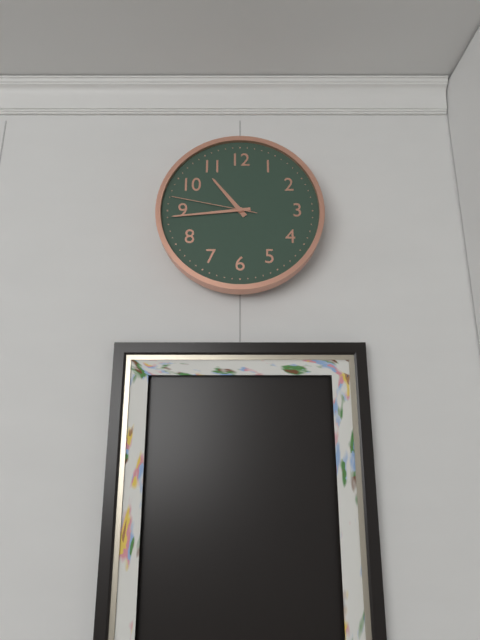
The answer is 10:44:47
